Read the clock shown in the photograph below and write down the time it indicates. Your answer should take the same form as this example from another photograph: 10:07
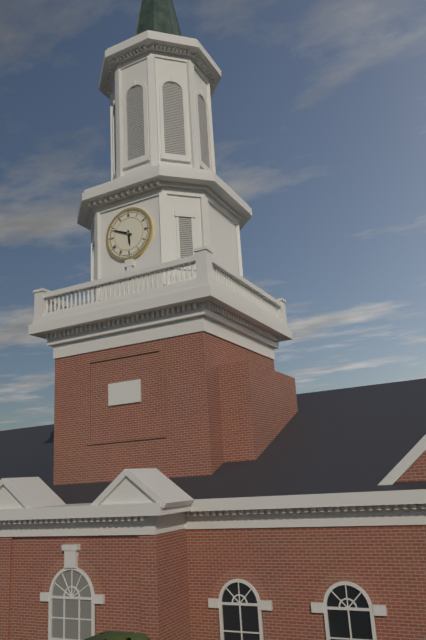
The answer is 5:49
